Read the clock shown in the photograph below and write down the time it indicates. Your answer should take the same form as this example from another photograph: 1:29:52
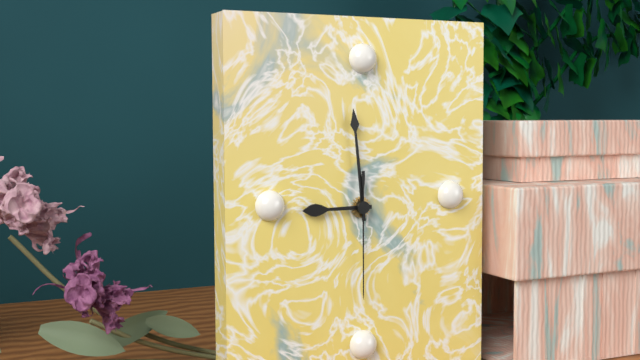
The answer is 8:59:30
